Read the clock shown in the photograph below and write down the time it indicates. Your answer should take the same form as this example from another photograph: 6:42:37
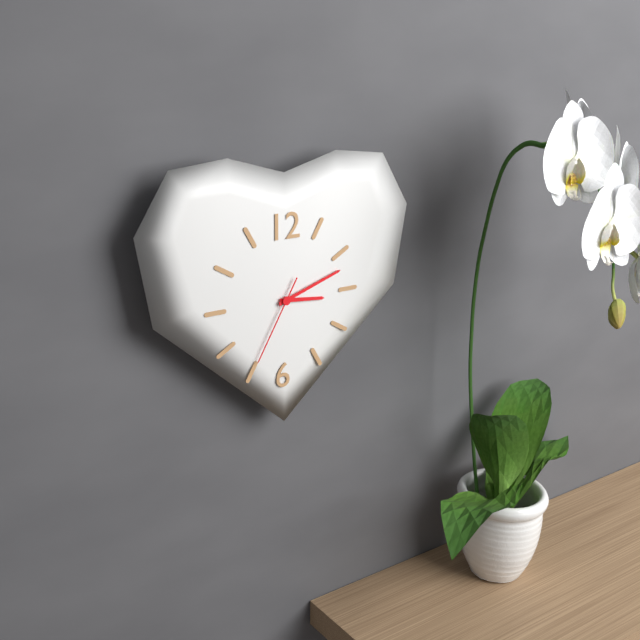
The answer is 3:12:35
